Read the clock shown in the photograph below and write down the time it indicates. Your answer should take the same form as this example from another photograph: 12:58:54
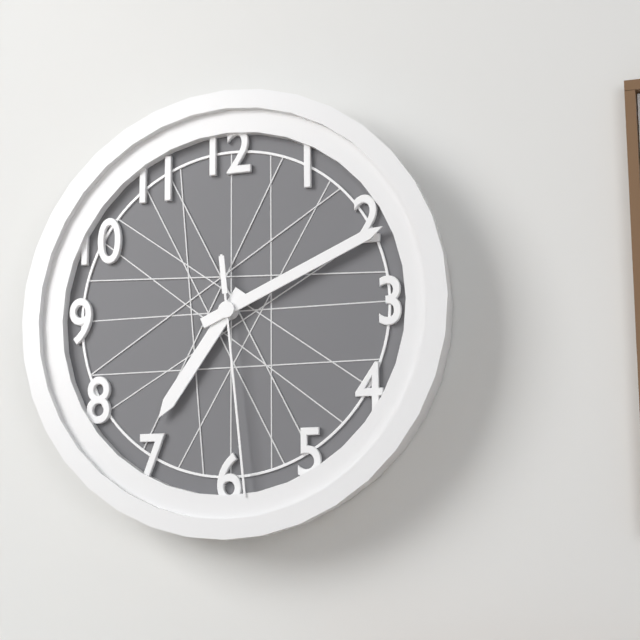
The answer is 7:11:29
